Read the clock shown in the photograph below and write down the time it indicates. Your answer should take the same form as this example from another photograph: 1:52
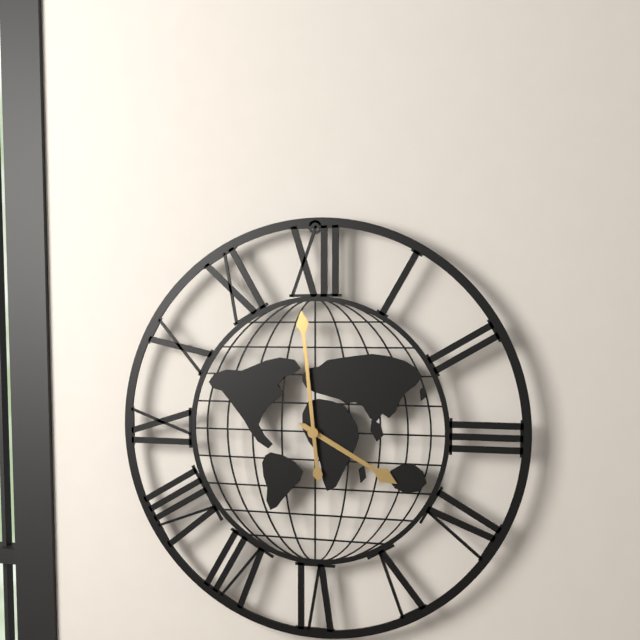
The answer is 3:59
